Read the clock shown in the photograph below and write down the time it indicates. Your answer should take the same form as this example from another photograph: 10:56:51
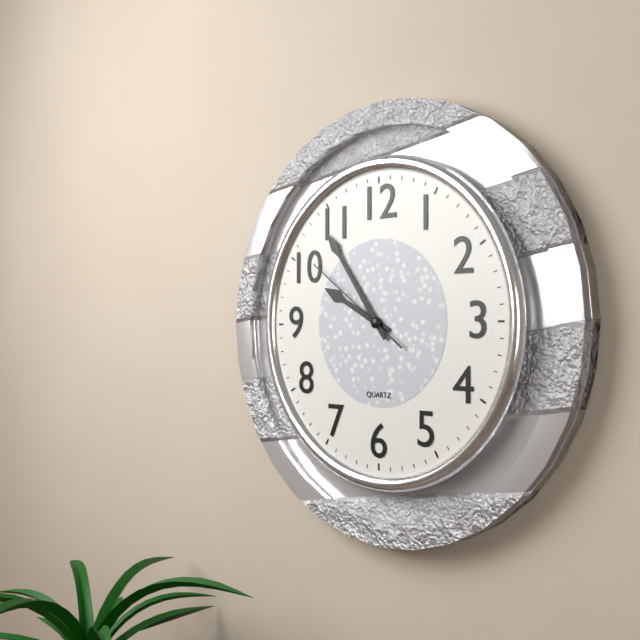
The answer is 9:54:51
